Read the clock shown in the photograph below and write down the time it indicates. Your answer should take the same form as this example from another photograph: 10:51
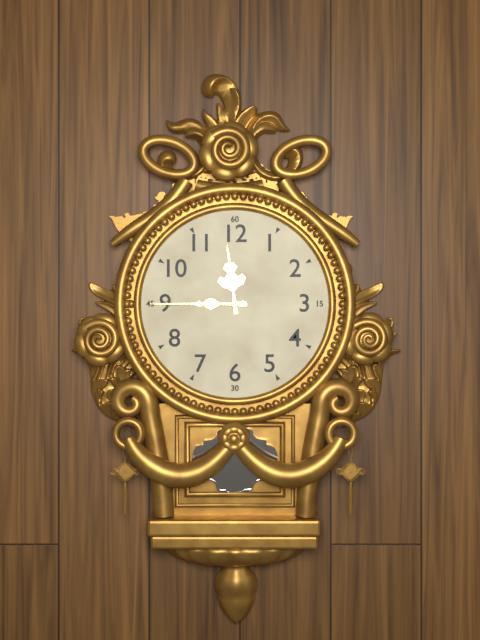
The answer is 11:45
